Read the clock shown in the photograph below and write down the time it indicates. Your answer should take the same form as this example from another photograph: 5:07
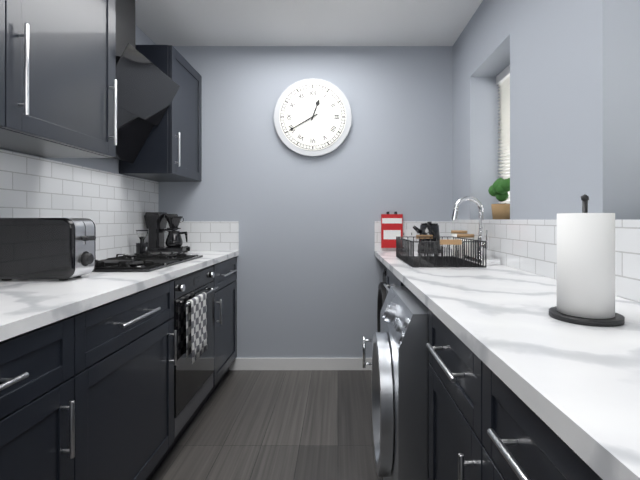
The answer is 12:40
